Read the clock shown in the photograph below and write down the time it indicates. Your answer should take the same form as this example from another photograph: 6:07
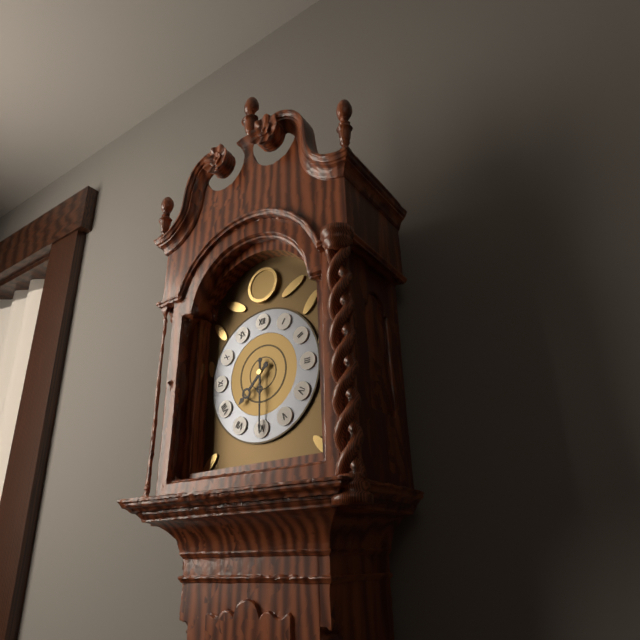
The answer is 7:30
